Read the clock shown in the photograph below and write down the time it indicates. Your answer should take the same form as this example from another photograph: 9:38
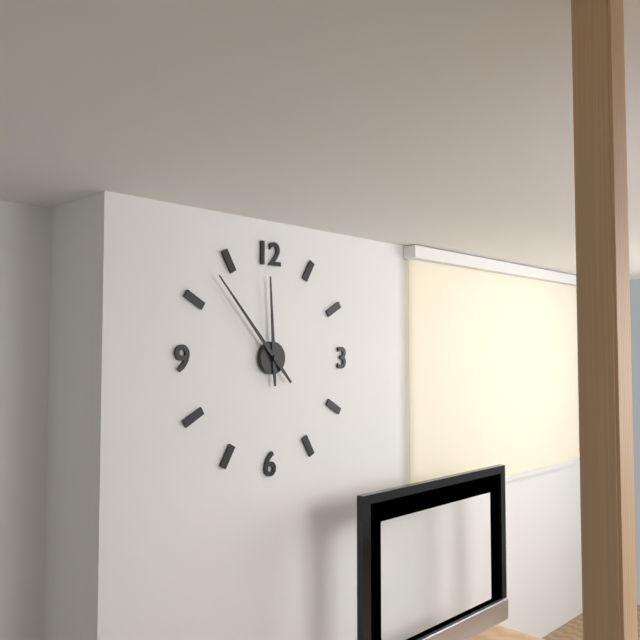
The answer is 11:53
